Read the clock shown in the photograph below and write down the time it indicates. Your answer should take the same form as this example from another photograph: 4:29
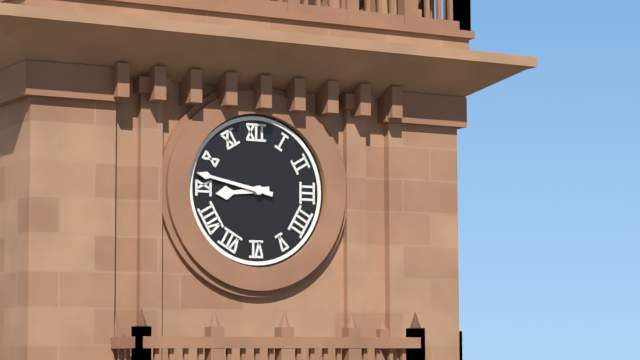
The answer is 8:47
